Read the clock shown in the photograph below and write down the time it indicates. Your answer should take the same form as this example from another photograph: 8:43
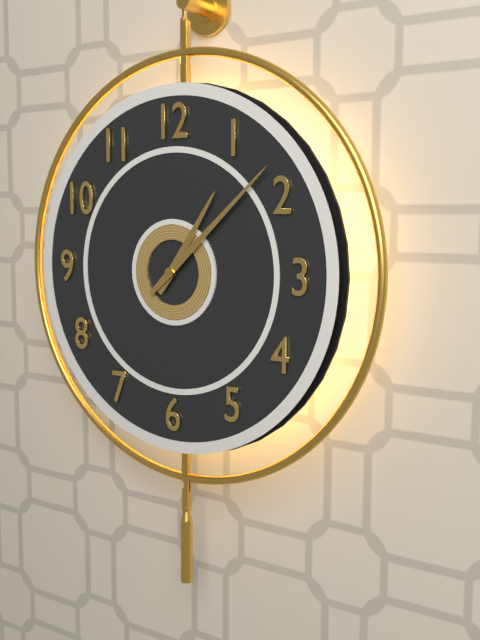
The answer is 1:08
